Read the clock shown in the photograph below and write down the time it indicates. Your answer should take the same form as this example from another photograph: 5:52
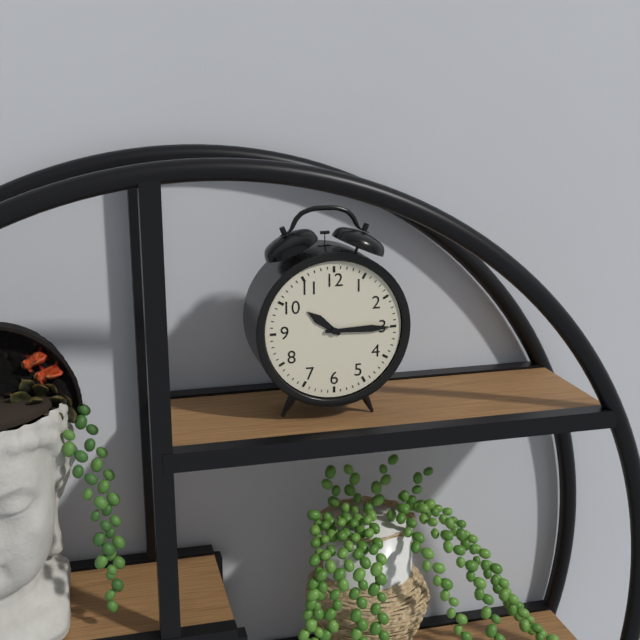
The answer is 10:15
